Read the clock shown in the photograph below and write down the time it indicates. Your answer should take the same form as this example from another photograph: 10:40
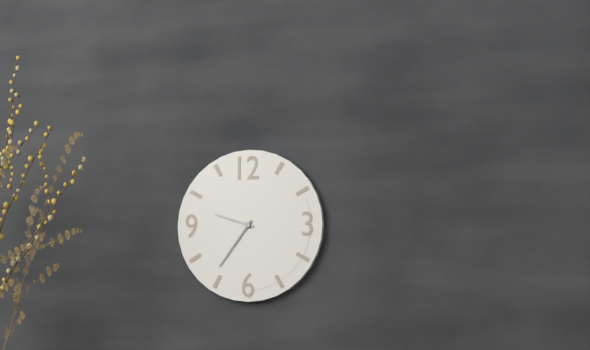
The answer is 9:36
